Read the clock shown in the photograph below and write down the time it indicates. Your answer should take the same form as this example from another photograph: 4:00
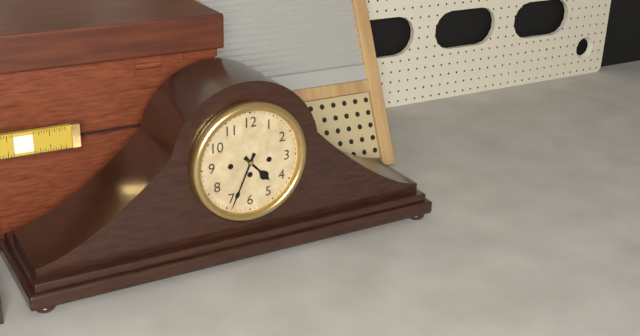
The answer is 4:34
